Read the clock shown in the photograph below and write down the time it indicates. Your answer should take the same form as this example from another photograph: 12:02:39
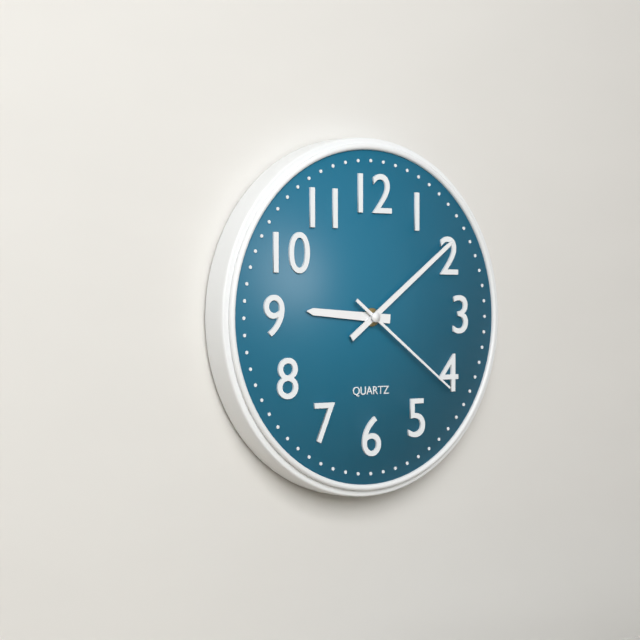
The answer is 9:09:21
